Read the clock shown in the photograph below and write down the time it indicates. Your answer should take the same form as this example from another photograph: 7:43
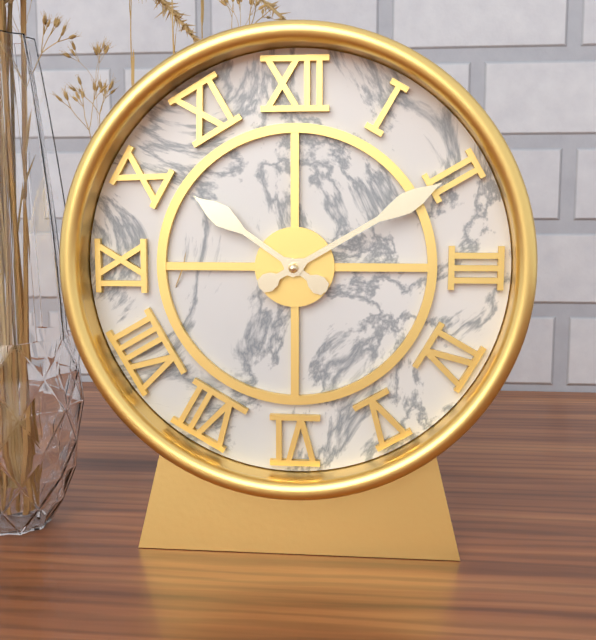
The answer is 10:10
